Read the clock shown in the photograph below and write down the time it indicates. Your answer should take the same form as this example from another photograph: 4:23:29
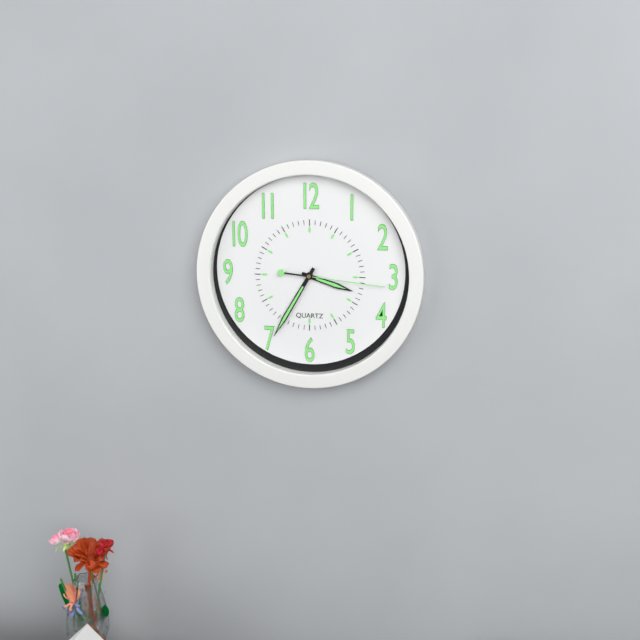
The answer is 3:35:16
